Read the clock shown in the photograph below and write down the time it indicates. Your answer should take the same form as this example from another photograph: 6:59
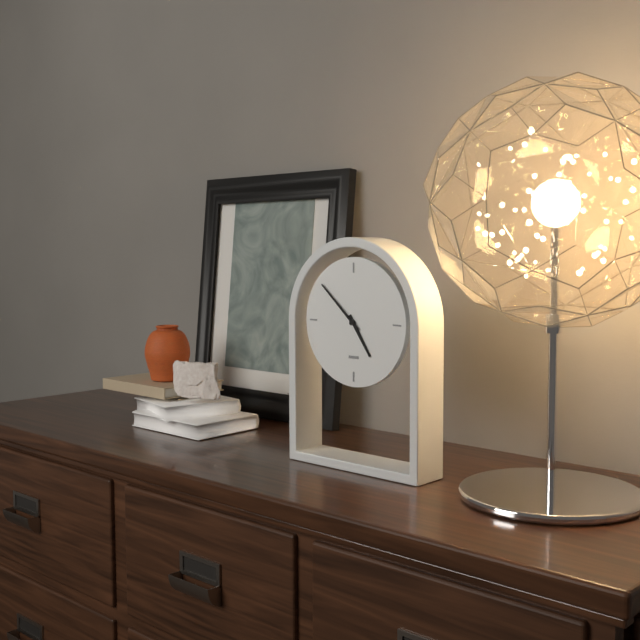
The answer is 4:52
